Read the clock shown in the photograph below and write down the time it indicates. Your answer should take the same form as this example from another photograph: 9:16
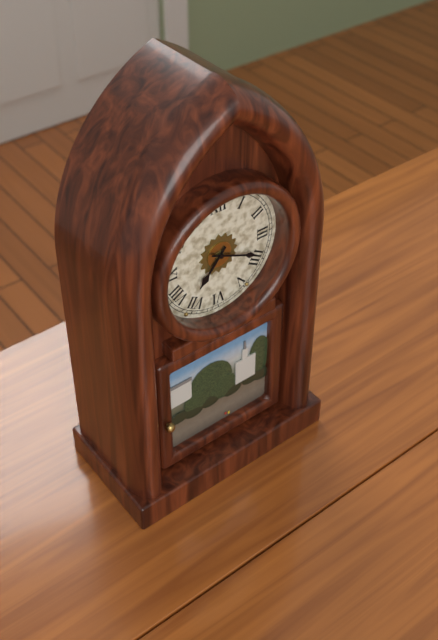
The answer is 7:19
